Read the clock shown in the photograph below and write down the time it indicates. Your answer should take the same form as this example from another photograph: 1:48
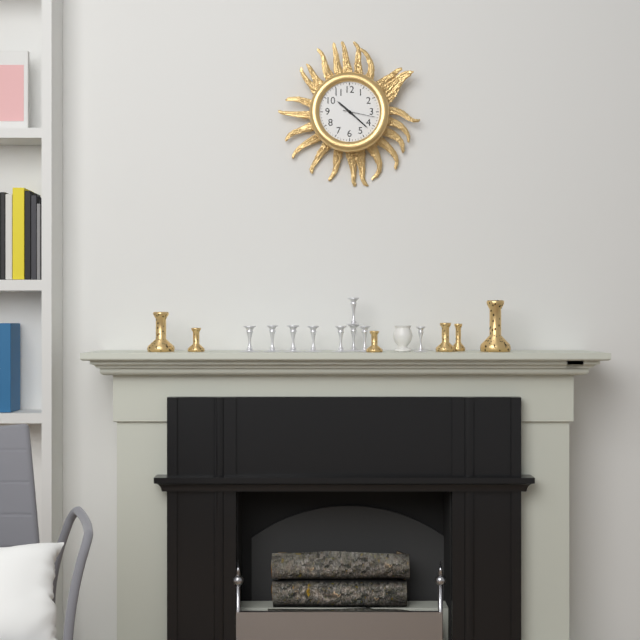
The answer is 10:22
